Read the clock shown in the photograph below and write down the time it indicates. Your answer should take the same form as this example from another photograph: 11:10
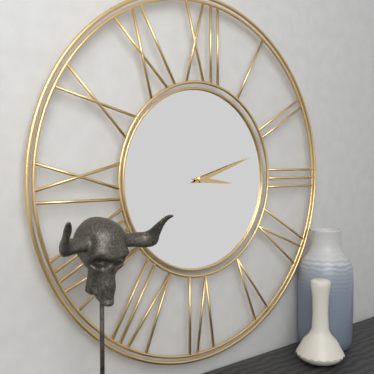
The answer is 3:12
